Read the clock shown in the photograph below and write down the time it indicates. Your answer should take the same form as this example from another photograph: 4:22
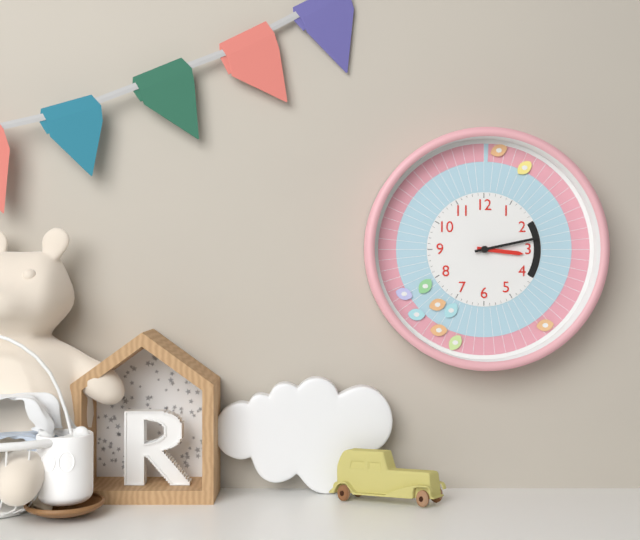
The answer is 3:13
